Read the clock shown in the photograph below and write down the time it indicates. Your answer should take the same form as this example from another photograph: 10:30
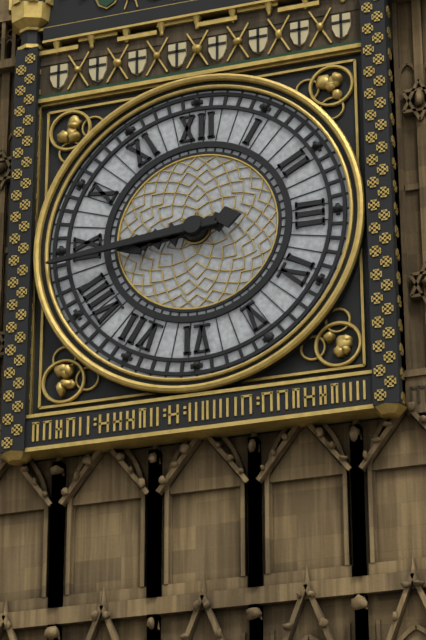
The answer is 8:44
